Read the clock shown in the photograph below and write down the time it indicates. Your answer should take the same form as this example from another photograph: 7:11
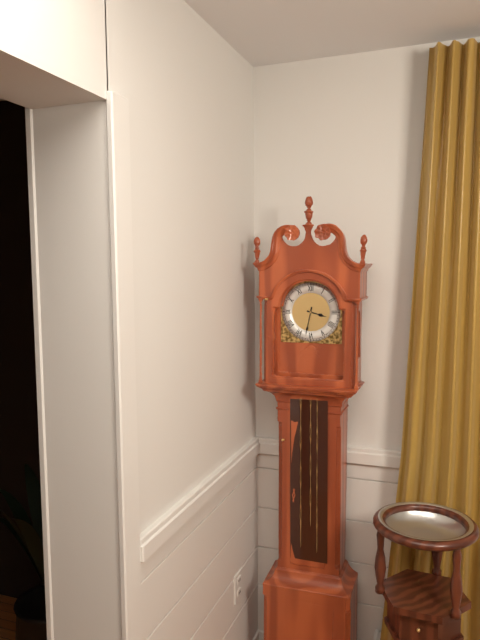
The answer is 3:32
